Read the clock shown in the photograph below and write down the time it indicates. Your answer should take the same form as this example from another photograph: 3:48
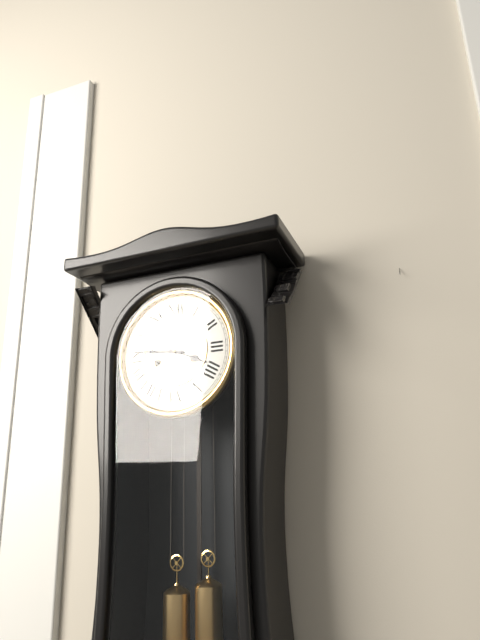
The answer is 3:46
